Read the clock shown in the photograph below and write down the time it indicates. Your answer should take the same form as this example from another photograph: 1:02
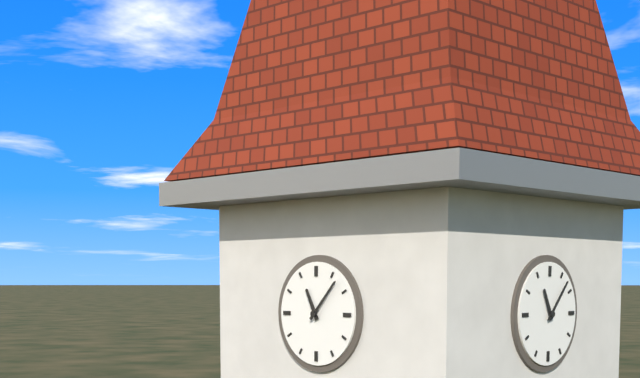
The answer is 11:07
